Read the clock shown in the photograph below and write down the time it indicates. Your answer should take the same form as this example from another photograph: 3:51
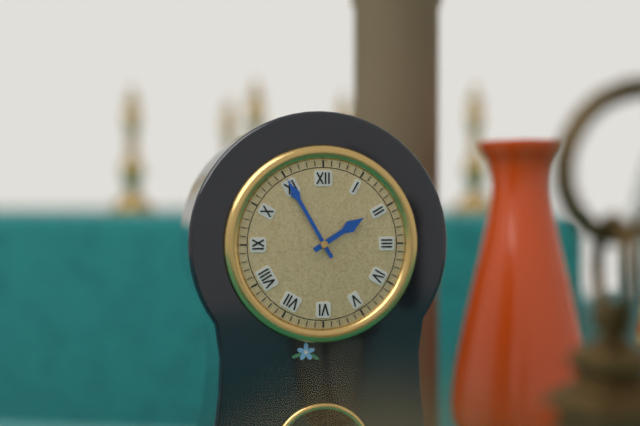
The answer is 1:55
